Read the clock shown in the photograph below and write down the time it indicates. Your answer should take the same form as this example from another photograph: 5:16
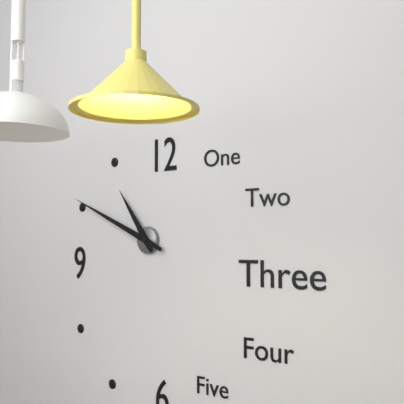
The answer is 10:49
